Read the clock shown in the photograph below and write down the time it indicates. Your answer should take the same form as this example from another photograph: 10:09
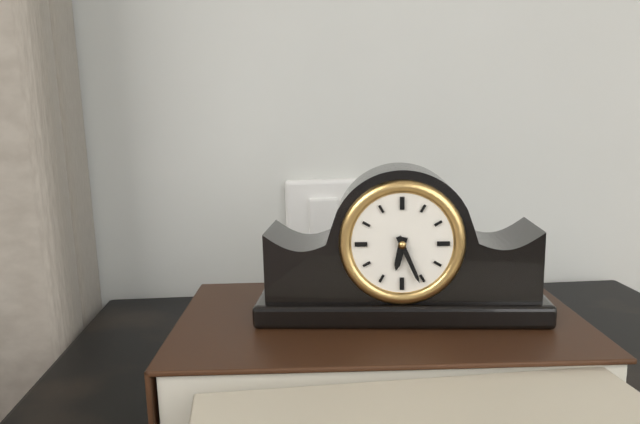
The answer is 6:26
